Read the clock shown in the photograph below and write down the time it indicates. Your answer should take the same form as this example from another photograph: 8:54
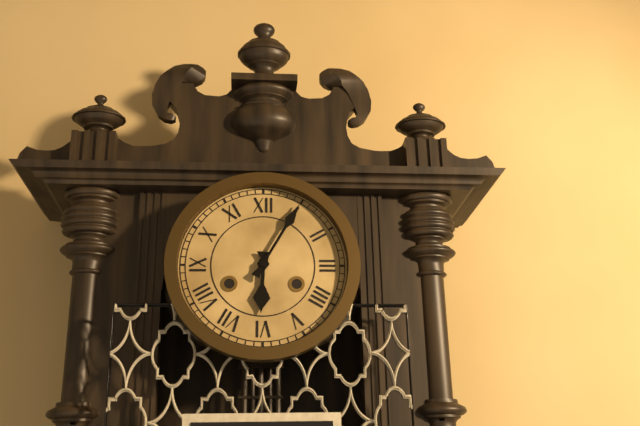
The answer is 6:05
